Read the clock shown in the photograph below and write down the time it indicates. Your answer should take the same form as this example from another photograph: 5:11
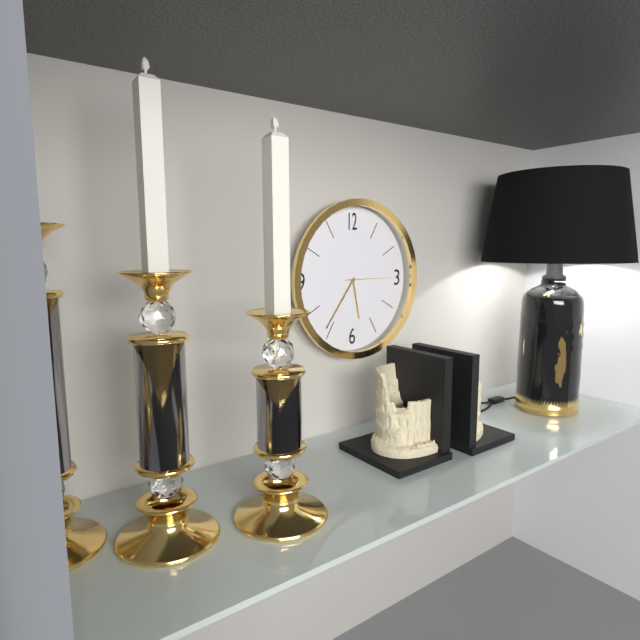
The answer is 5:36
